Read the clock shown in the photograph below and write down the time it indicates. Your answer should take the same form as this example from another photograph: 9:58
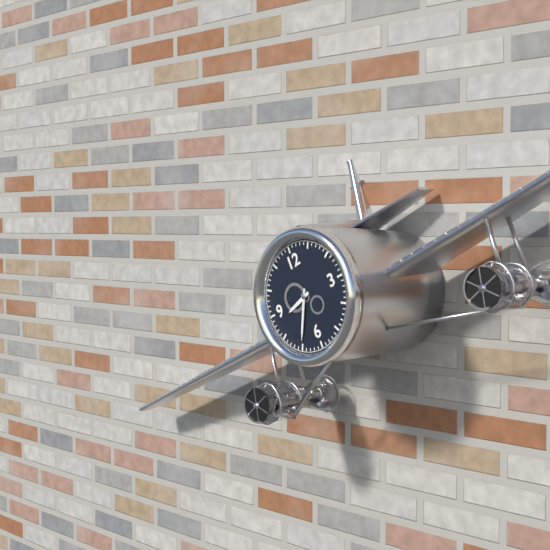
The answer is 8:35
